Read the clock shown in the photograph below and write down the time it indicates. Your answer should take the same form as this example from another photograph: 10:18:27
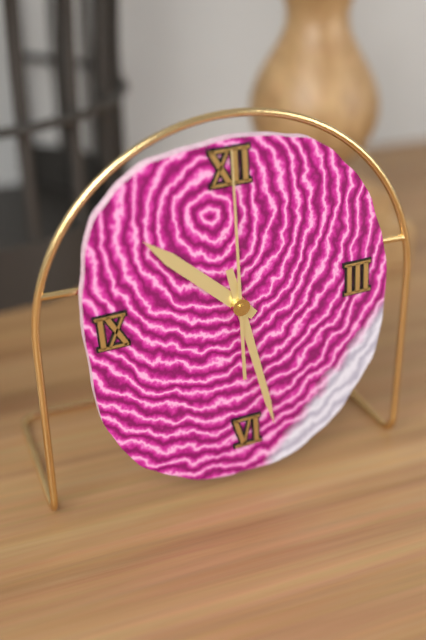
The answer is 10:28:00
